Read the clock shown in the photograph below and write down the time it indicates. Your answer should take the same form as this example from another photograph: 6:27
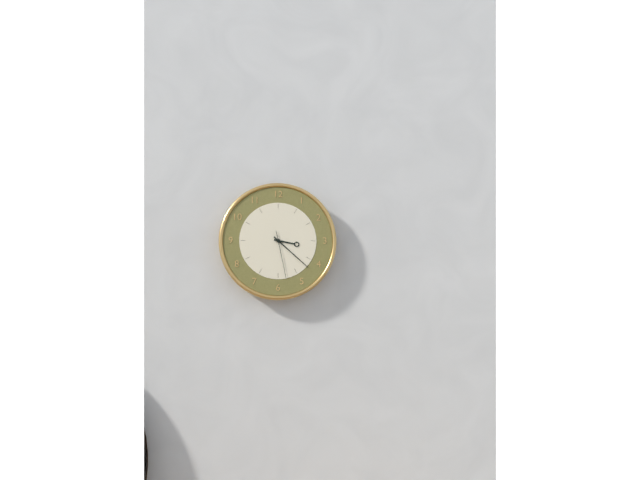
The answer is 3:22
